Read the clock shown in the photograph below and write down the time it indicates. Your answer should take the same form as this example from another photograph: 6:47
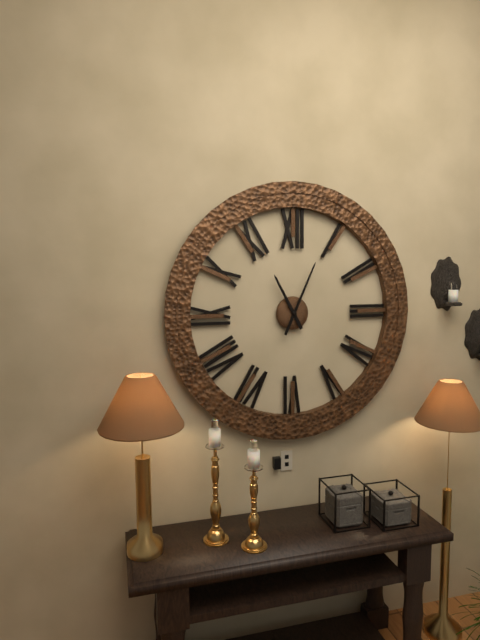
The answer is 11:04
